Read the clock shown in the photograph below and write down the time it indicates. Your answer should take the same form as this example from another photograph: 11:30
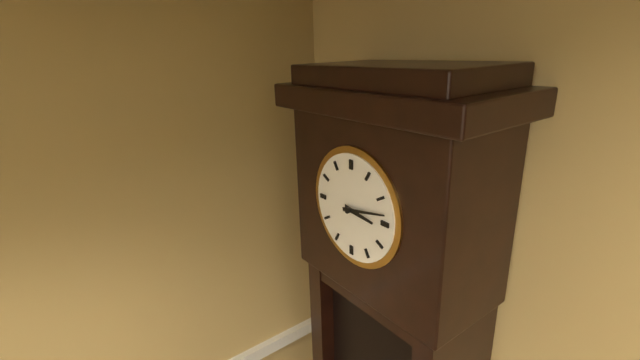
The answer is 3:13
